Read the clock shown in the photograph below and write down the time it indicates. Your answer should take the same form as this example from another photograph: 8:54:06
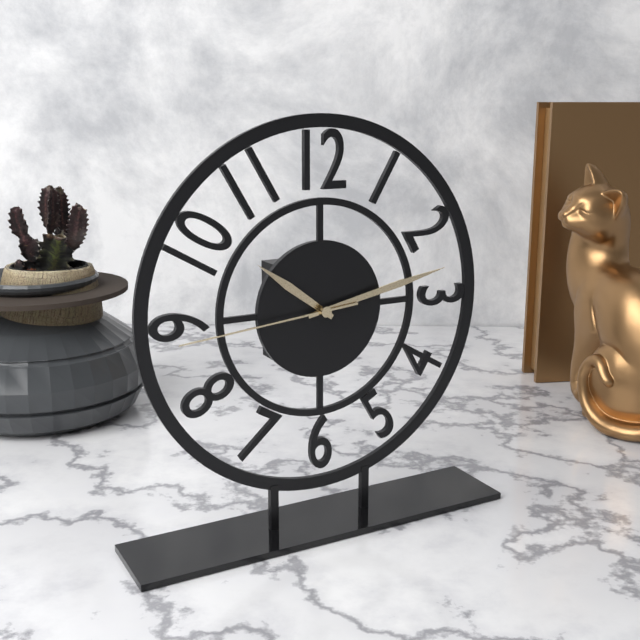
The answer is 10:13:44
